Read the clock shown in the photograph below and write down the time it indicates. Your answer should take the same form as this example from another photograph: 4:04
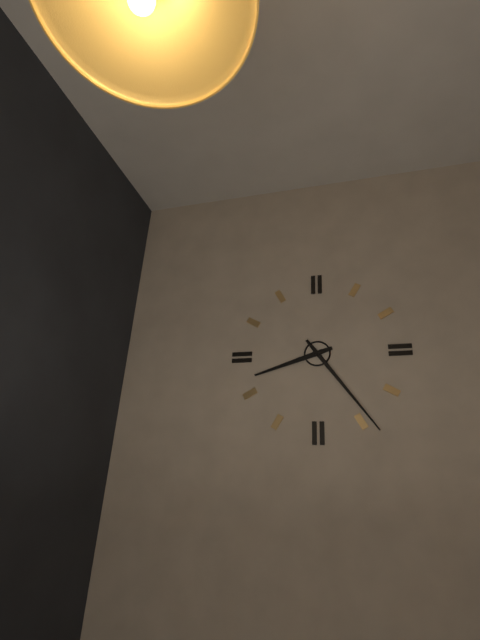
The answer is 8:24
